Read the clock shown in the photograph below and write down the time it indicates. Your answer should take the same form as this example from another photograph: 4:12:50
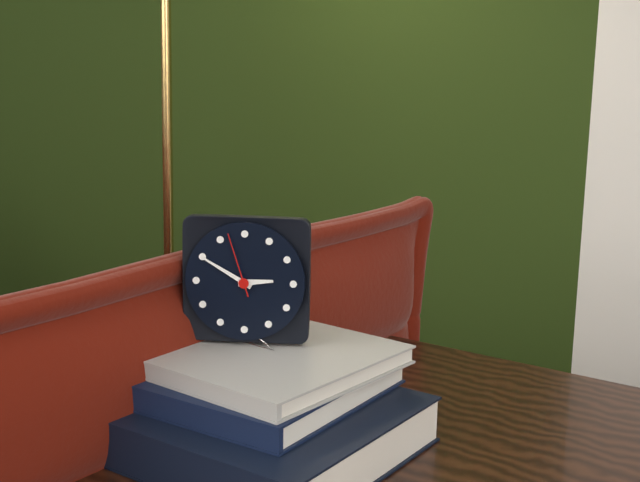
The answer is 2:50:57
